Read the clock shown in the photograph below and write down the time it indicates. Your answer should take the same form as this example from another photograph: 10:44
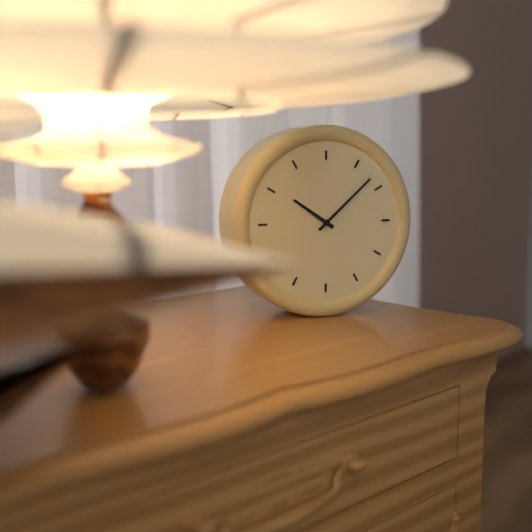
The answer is 10:08
